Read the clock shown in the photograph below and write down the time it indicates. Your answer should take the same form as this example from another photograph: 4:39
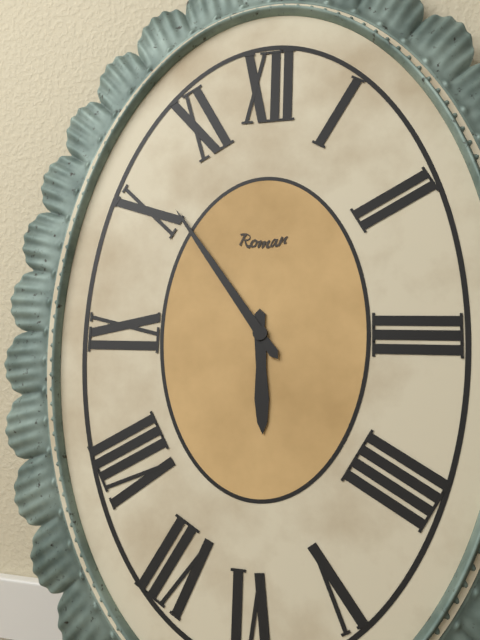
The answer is 5:54
